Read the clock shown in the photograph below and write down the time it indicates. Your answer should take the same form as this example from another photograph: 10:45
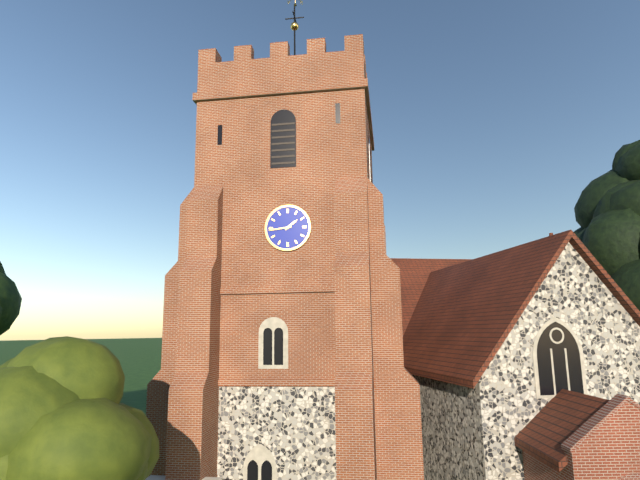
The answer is 1:44
